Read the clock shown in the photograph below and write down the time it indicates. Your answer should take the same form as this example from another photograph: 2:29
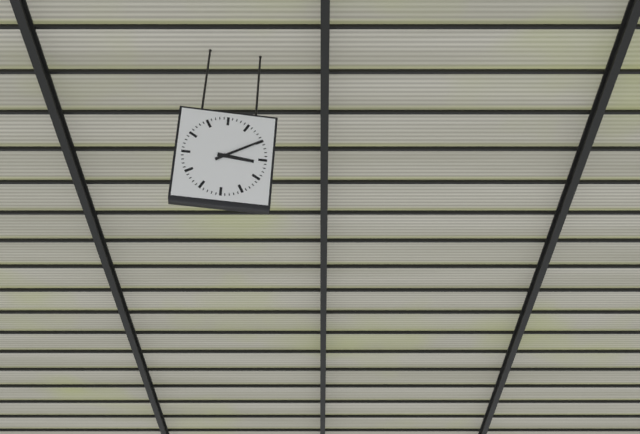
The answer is 3:10
